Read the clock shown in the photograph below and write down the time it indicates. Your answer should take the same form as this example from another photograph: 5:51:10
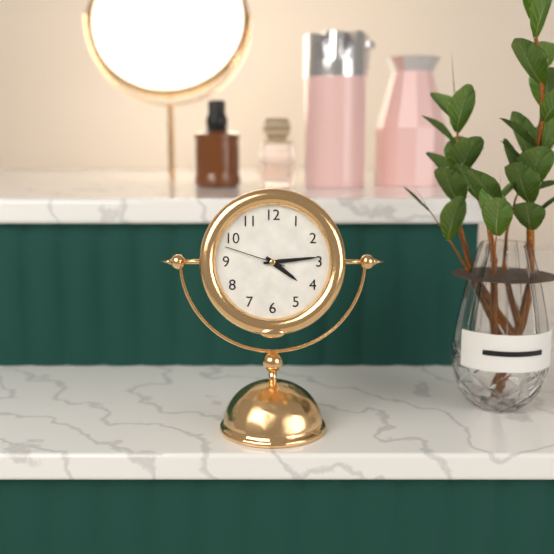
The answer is 4:14:48
